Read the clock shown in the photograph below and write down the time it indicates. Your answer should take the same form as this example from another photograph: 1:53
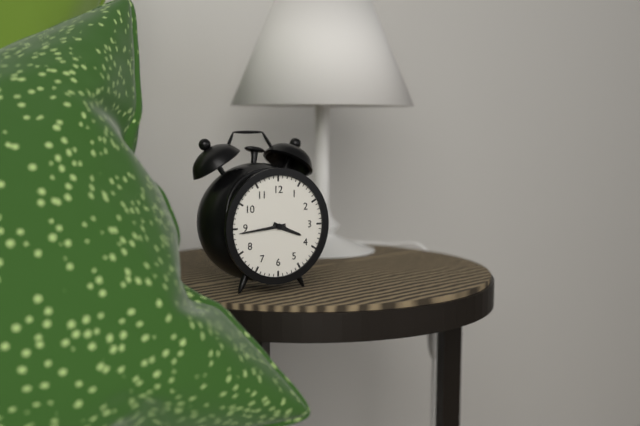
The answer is 3:44
